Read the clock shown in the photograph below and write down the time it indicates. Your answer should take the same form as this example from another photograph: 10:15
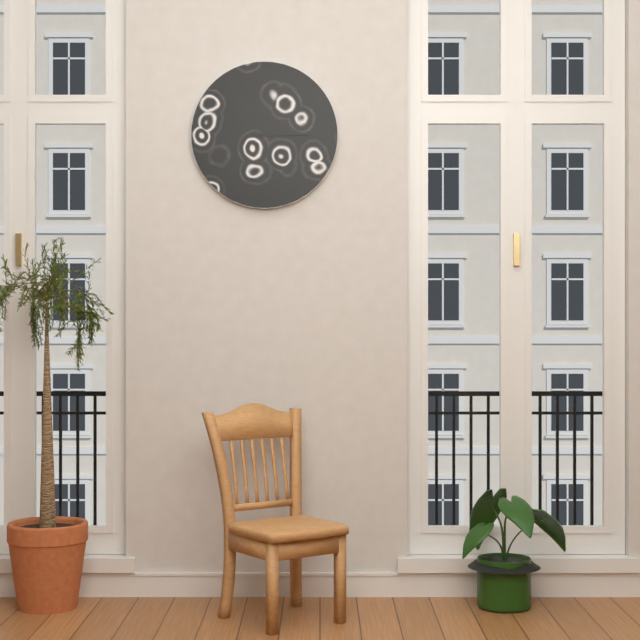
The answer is 3:15
